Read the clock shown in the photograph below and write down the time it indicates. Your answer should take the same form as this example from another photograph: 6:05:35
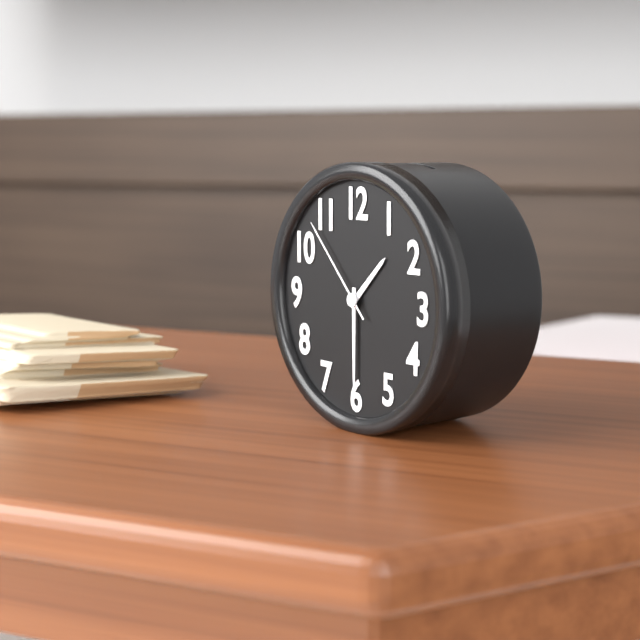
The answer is 1:30:53
